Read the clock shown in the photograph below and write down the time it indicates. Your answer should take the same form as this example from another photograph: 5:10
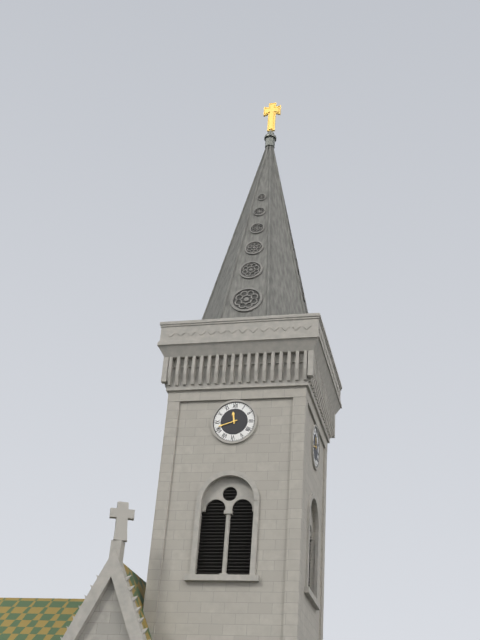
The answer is 11:42
